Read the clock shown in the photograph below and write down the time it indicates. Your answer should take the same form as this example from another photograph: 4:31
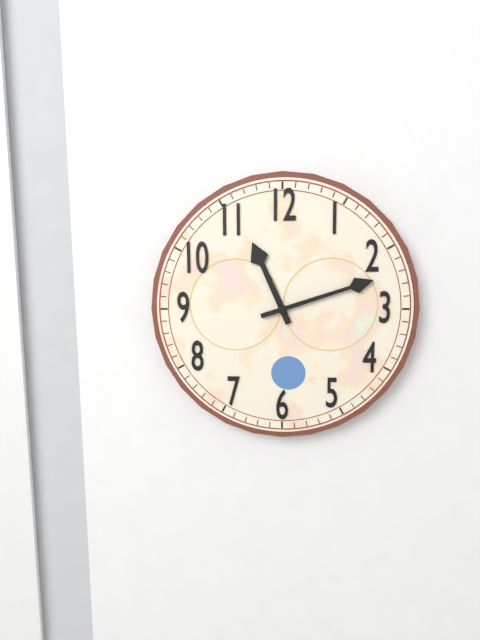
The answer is 11:12
